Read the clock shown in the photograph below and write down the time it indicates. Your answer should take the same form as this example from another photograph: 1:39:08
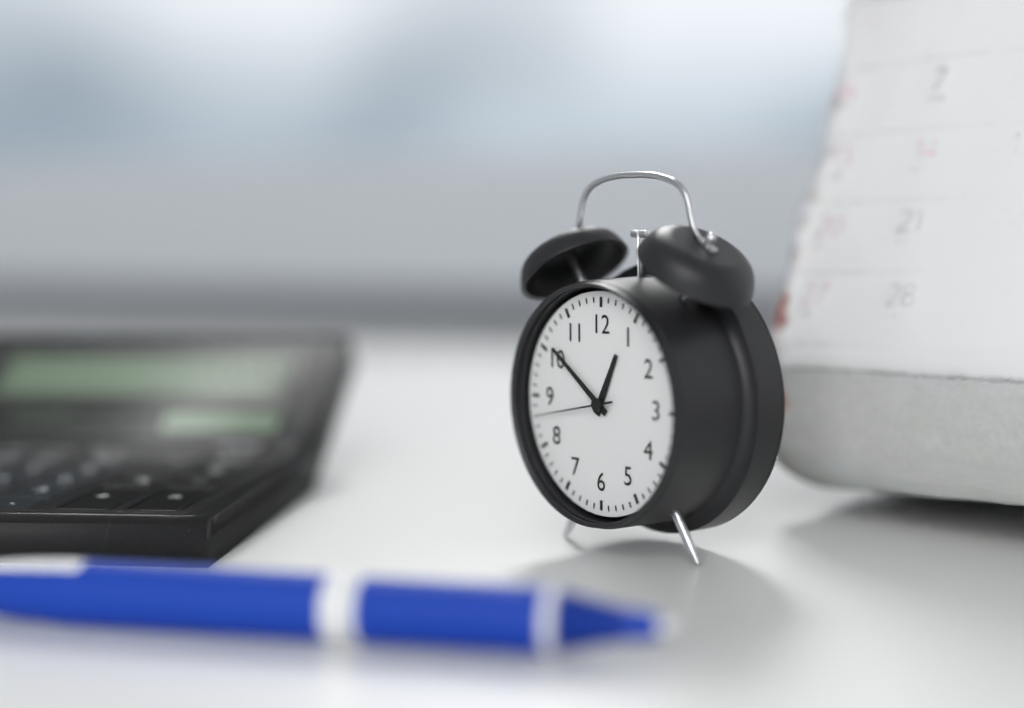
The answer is 12:51:43
